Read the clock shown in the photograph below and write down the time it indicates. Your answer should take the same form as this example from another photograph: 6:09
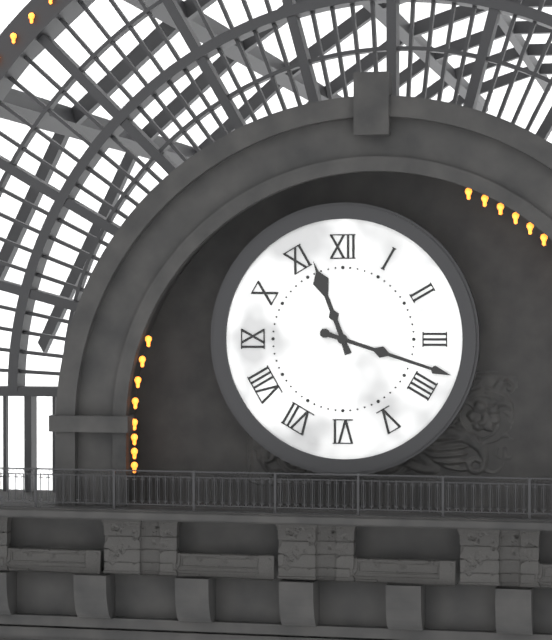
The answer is 11:18
